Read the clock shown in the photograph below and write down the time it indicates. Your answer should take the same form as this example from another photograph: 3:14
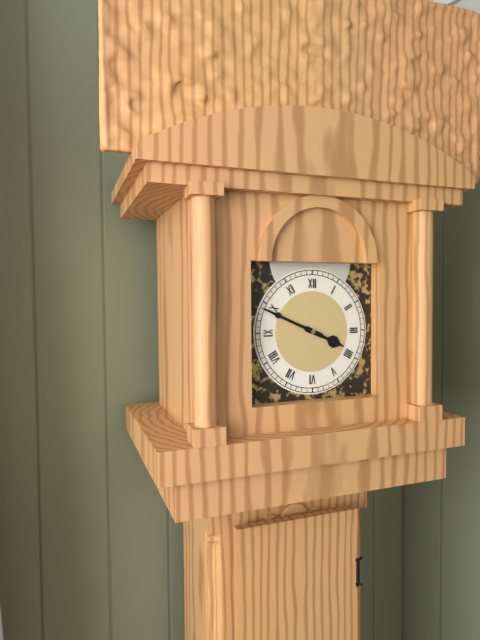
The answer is 3:49
